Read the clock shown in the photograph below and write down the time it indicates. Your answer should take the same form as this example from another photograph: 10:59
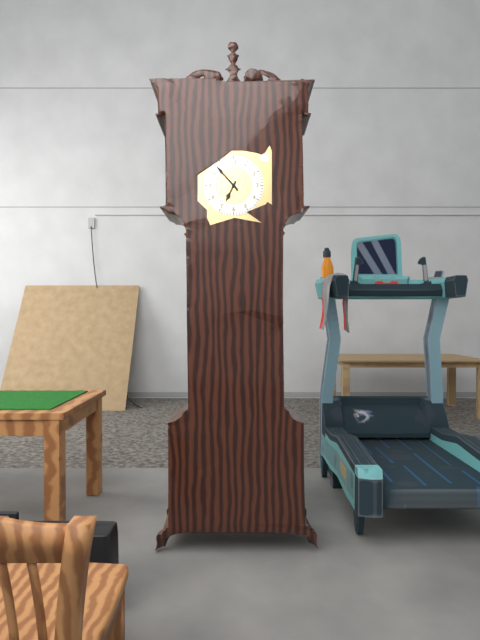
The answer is 6:53
